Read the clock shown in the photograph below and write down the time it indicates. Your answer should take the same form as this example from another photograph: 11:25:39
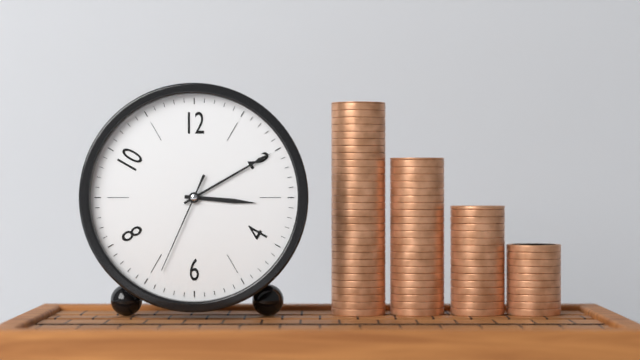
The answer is 3:10:34
